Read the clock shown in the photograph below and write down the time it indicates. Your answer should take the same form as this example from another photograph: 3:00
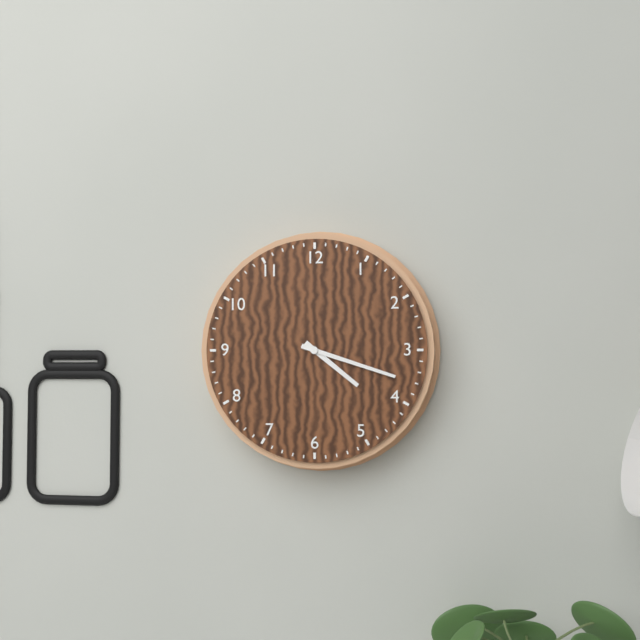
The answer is 4:18
